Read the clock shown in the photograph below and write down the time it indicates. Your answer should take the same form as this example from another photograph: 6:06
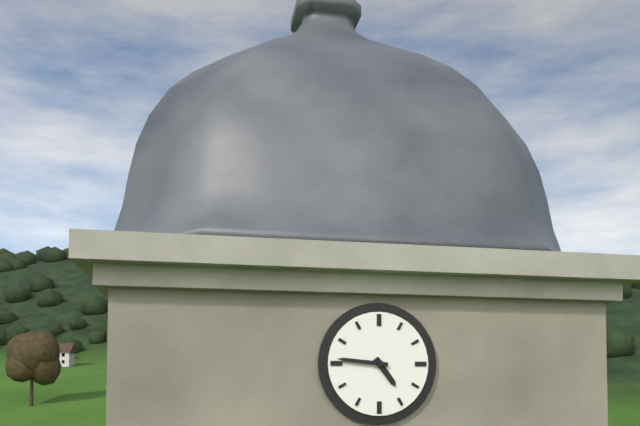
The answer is 4:46
